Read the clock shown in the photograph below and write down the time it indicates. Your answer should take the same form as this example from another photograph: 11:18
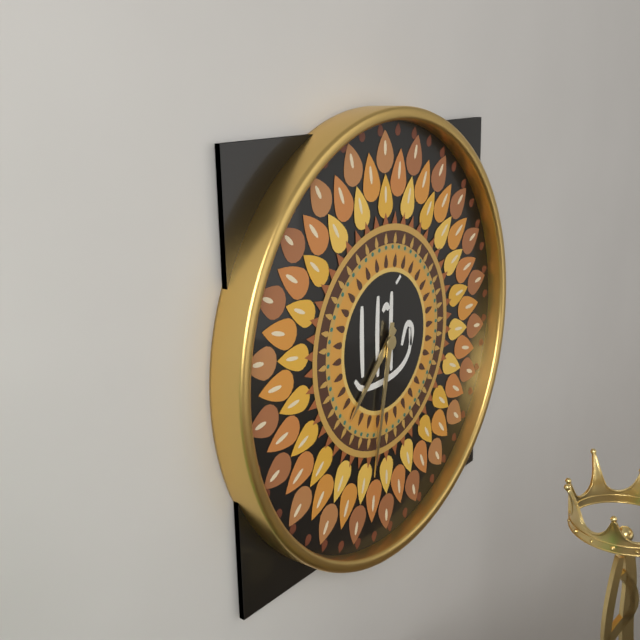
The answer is 7:32
